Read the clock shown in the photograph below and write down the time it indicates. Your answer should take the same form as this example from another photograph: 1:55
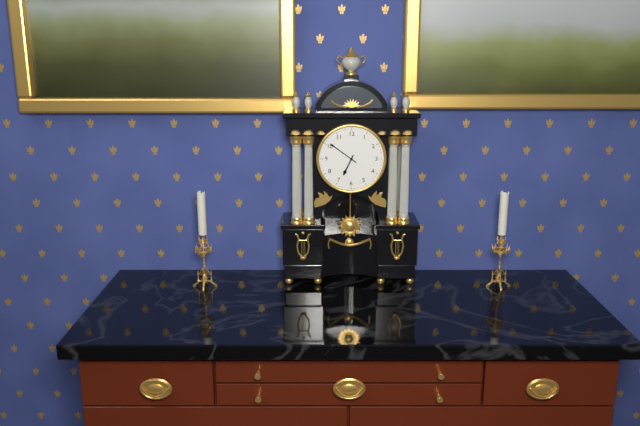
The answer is 6:51
